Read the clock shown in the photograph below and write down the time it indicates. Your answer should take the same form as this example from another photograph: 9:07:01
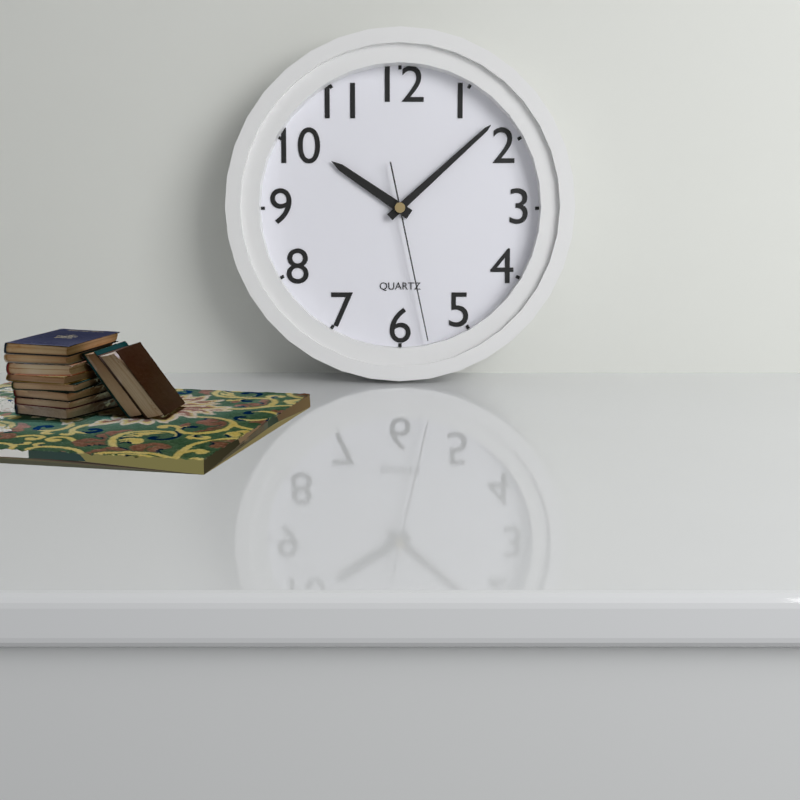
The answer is 10:08:28
